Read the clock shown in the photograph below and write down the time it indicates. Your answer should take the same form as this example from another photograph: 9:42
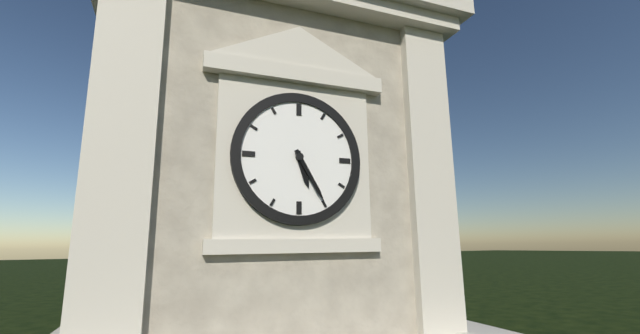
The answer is 5:25
